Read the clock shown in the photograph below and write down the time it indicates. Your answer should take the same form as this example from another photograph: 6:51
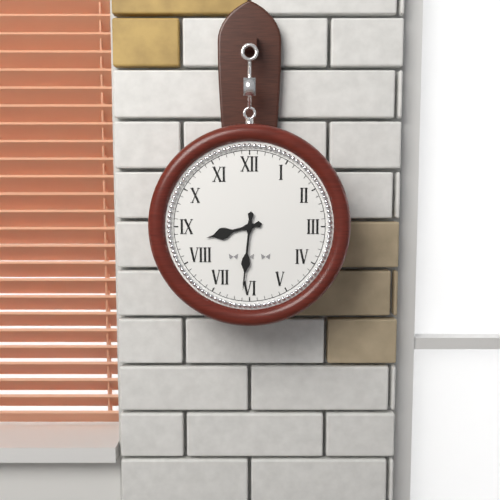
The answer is 8:31
